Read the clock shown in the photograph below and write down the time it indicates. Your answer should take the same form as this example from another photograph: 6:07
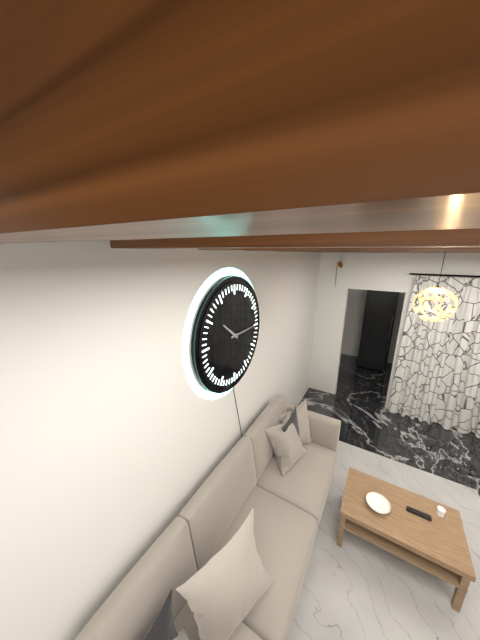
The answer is 10:15
